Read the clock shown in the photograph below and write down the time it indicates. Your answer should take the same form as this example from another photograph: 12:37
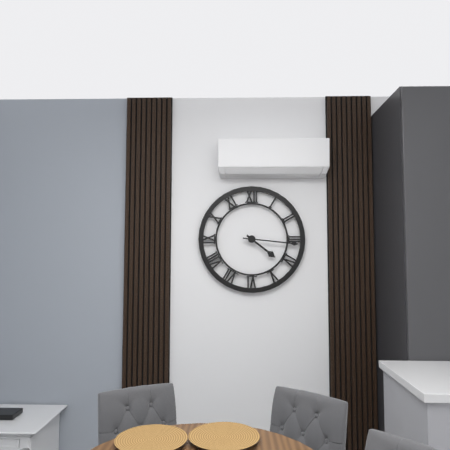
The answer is 4:16
